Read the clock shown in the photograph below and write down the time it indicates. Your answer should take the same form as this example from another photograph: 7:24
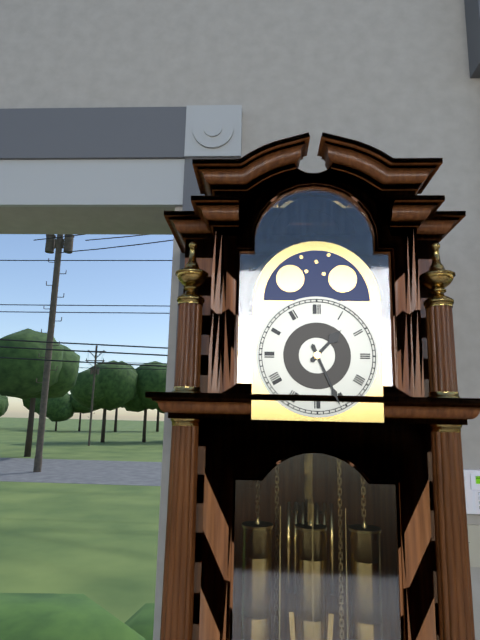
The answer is 1:26
